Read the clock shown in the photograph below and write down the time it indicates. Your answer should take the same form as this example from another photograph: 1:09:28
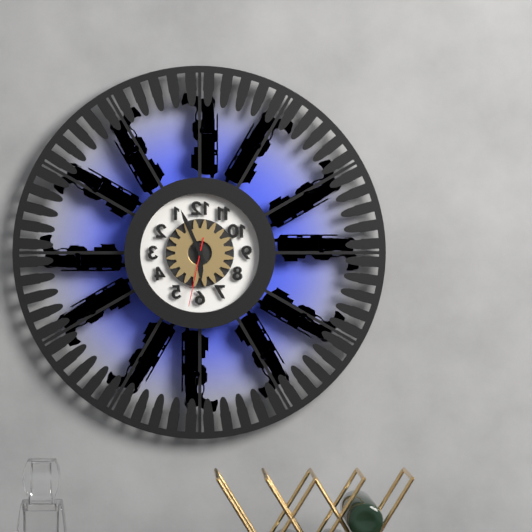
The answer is 5:56:32
